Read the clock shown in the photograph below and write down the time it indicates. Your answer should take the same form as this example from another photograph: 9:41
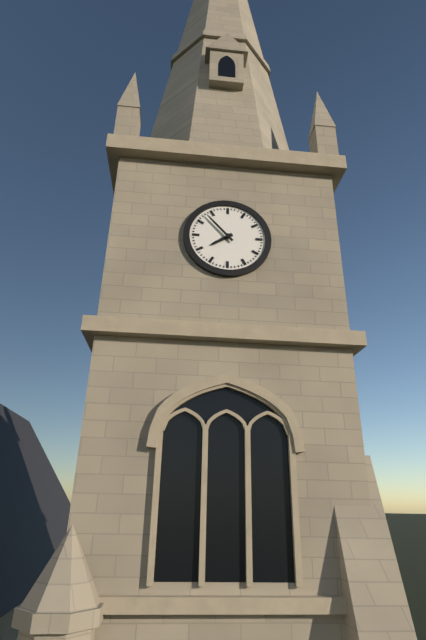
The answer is 7:53
